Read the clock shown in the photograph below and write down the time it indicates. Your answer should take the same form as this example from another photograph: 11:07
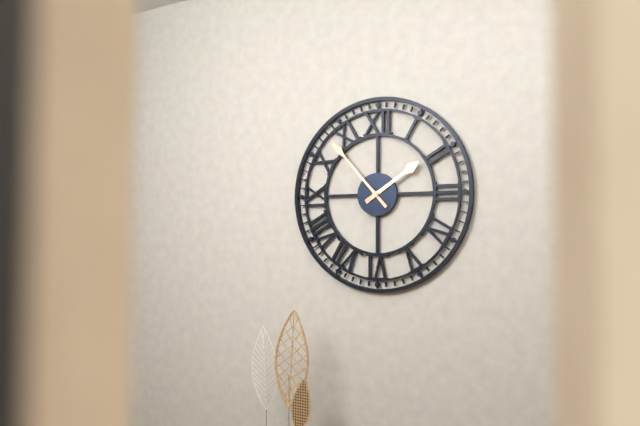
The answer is 1:53
